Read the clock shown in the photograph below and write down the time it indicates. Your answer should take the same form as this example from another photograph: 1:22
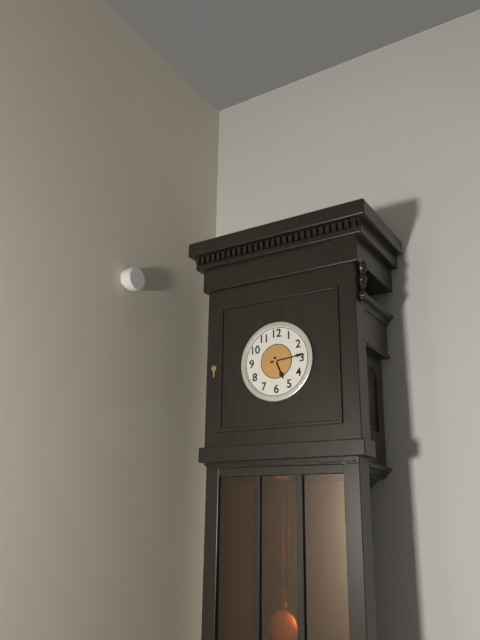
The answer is 5:14
